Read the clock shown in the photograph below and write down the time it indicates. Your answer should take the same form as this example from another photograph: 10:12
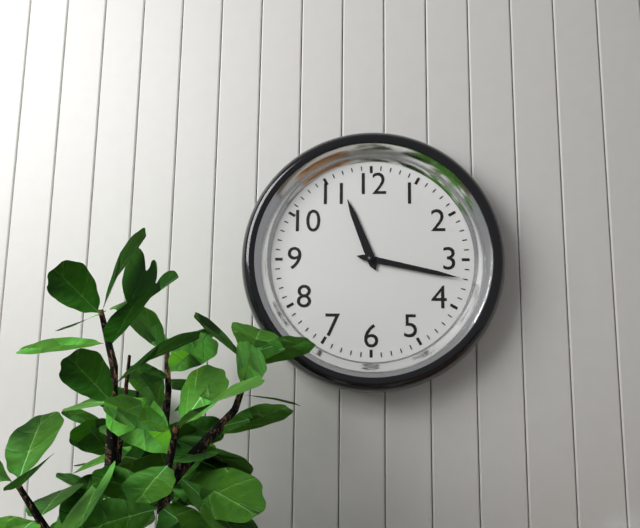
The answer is 11:17
